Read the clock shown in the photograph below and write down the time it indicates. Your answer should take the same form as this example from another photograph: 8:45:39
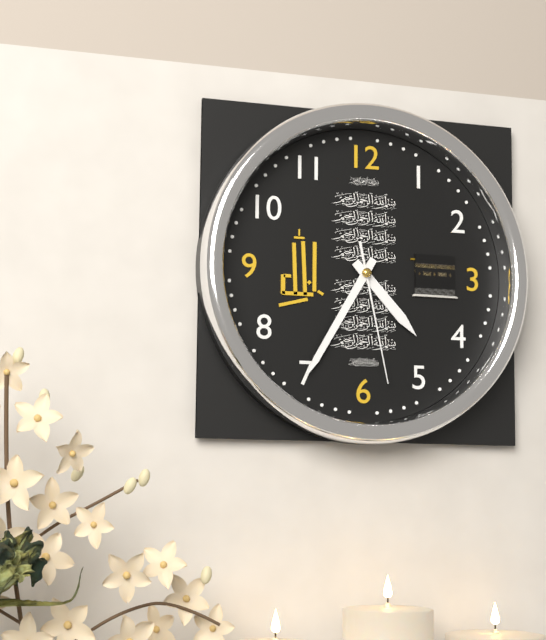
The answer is 4:35:28
